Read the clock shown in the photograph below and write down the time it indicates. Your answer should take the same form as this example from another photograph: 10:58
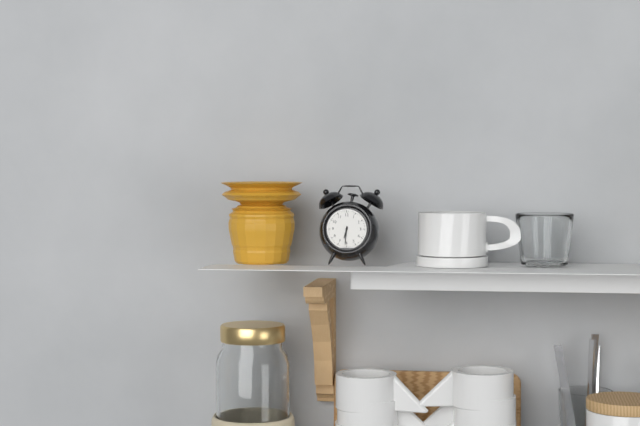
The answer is 6:31
